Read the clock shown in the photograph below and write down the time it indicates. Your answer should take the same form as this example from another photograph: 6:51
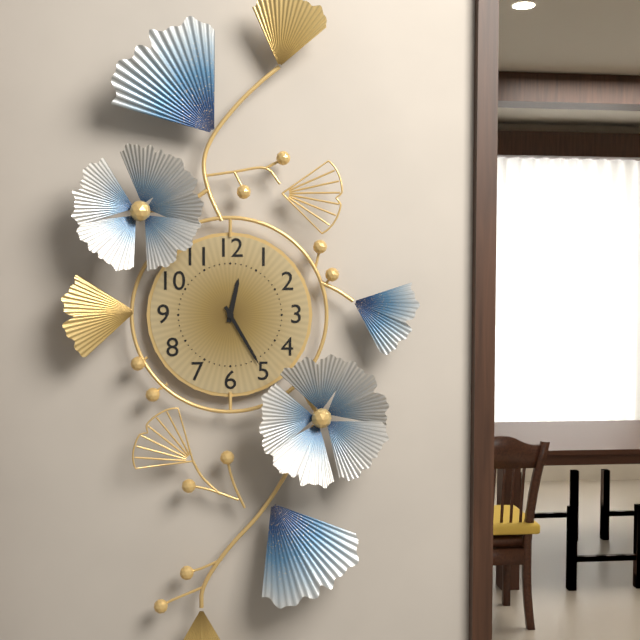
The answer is 12:25
